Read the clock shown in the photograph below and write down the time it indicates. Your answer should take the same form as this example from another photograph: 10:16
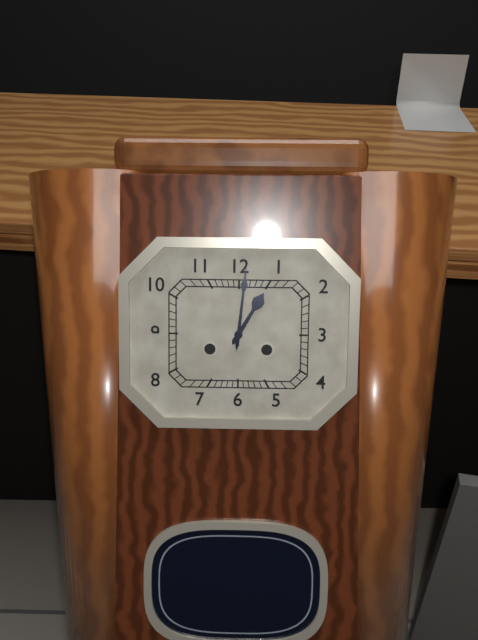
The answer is 1:01
